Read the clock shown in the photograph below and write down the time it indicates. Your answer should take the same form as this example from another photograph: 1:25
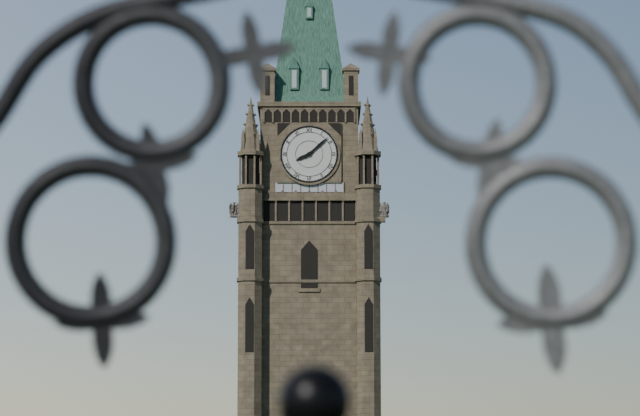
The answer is 8:08
